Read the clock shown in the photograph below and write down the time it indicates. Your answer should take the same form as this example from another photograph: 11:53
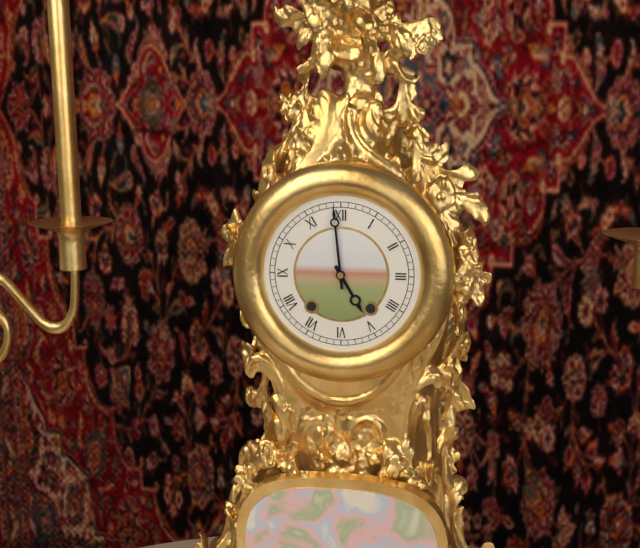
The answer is 4:59
